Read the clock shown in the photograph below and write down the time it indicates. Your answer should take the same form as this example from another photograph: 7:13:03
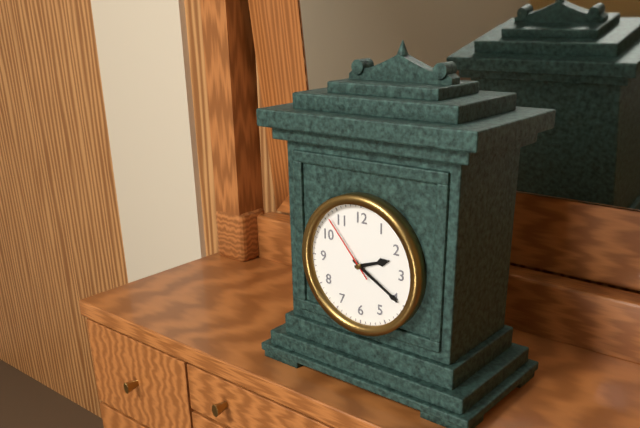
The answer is 2:20:53
